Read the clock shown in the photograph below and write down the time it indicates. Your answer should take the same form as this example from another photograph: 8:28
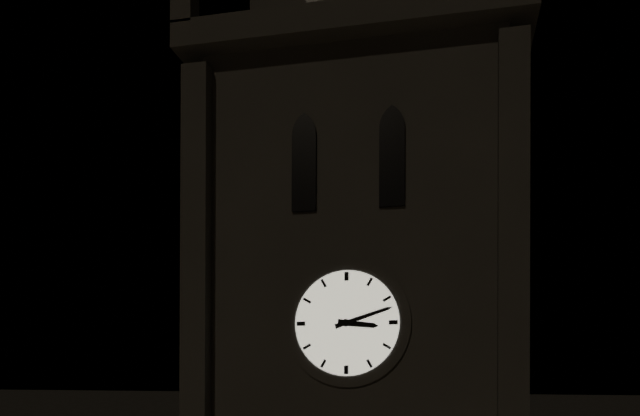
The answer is 3:12
